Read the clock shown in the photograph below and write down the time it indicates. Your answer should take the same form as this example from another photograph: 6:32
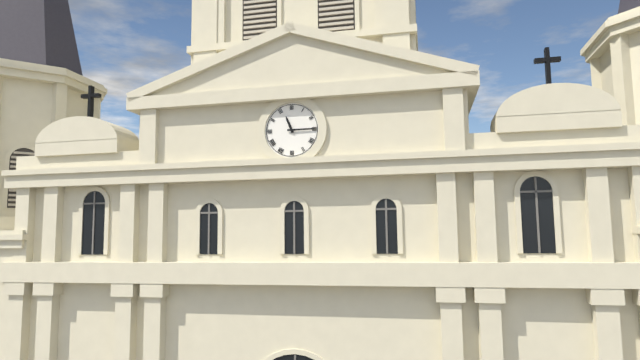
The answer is 11:15
